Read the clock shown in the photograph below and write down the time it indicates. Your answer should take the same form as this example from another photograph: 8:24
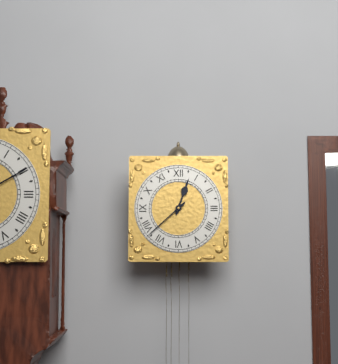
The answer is 12:38
